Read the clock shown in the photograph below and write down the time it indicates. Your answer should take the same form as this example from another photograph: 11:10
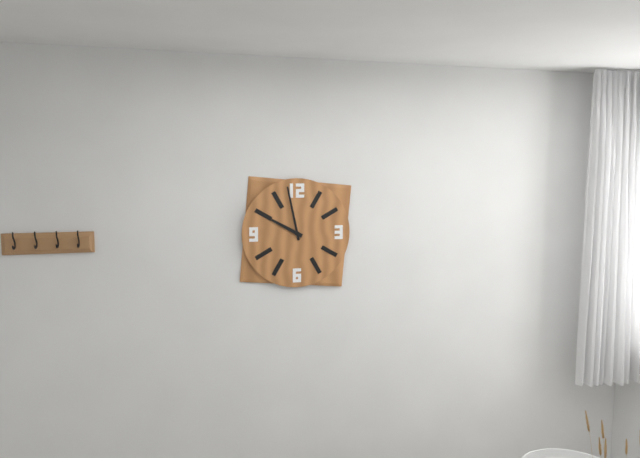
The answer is 9:58
